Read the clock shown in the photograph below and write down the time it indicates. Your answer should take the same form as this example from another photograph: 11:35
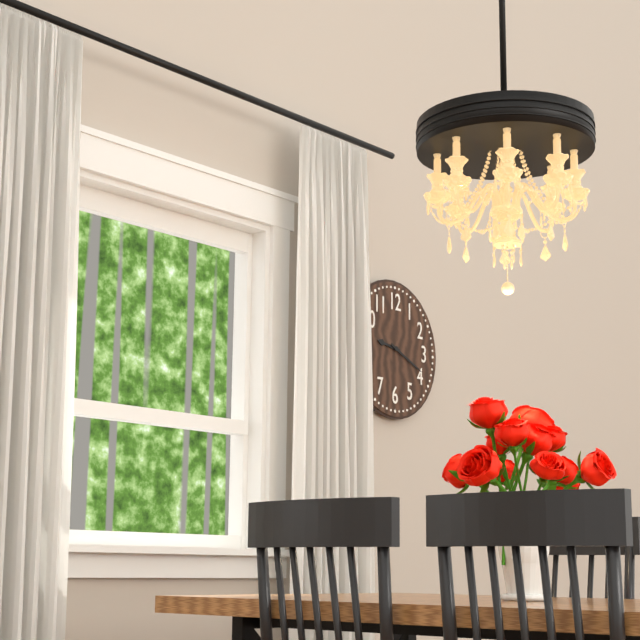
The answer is 9:19
